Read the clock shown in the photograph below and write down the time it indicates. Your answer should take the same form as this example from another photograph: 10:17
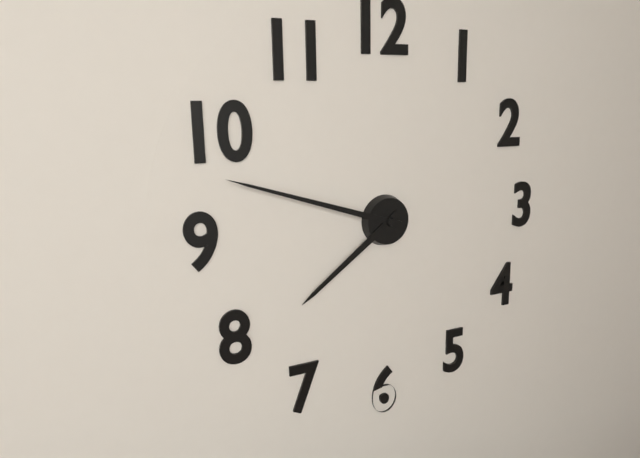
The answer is 7:48
